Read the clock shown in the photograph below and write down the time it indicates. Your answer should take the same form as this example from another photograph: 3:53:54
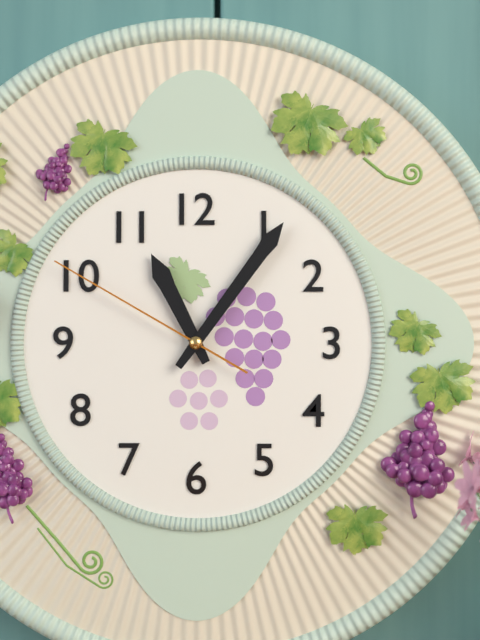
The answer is 11:06:50
